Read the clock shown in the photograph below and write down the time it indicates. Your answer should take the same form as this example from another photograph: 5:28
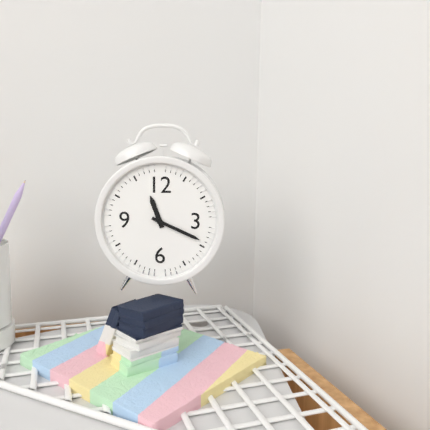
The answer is 11:19
